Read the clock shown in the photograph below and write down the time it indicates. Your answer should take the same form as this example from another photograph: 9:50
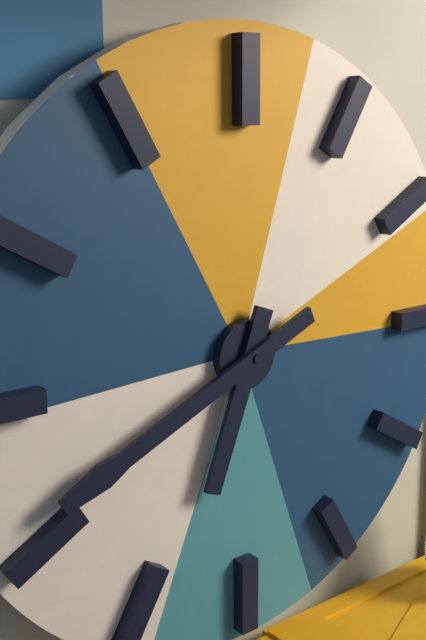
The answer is 6:41
